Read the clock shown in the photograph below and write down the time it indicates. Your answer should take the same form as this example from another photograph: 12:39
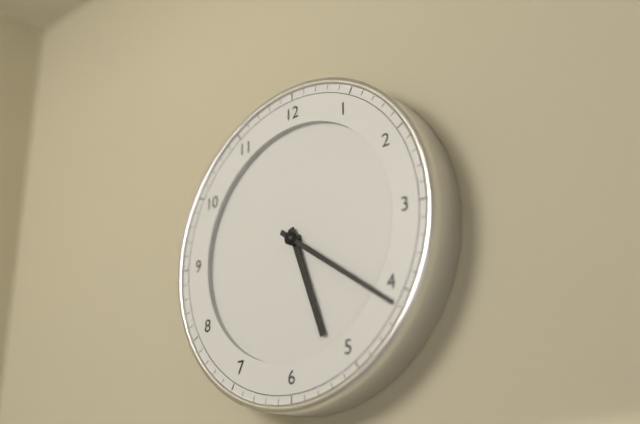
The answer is 5:21
